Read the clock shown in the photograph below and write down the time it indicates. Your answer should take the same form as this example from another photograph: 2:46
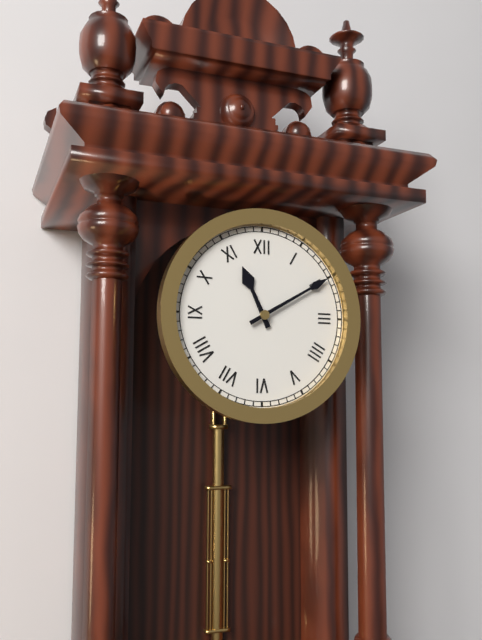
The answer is 11:10
